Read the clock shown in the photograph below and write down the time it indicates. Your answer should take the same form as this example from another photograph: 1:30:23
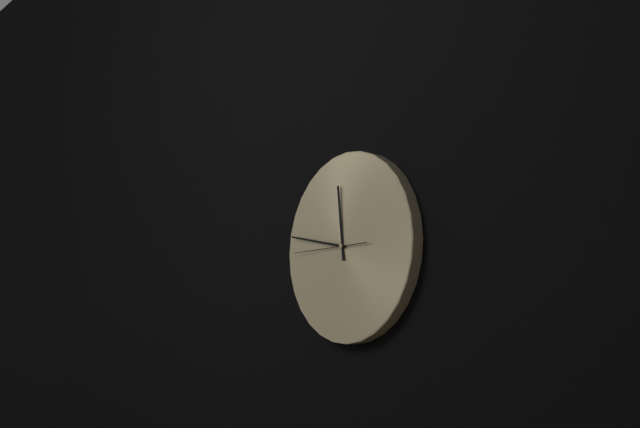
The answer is 11:47:45
